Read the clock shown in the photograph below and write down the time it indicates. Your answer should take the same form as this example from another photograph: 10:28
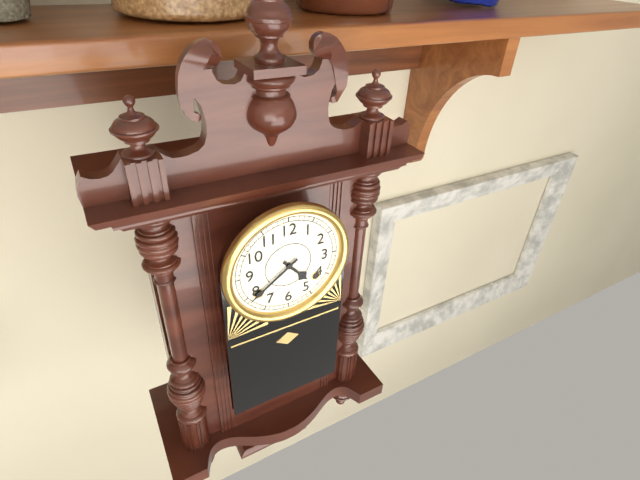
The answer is 4:39
